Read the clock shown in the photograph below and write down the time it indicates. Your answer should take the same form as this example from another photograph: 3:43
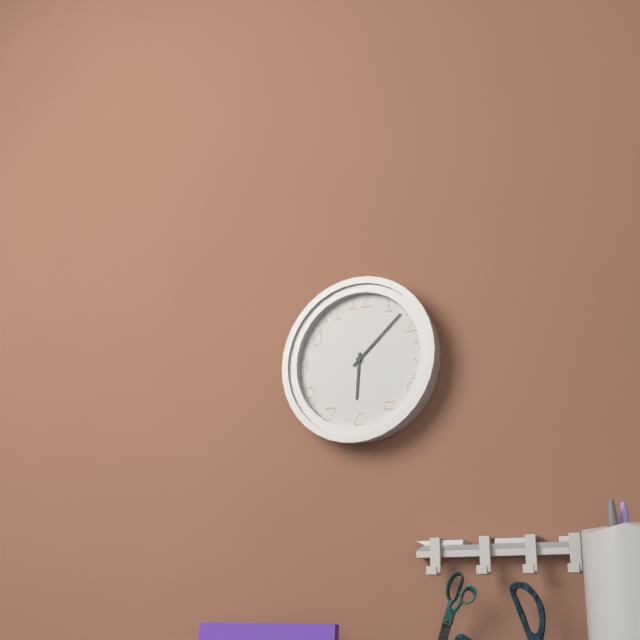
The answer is 6:08
